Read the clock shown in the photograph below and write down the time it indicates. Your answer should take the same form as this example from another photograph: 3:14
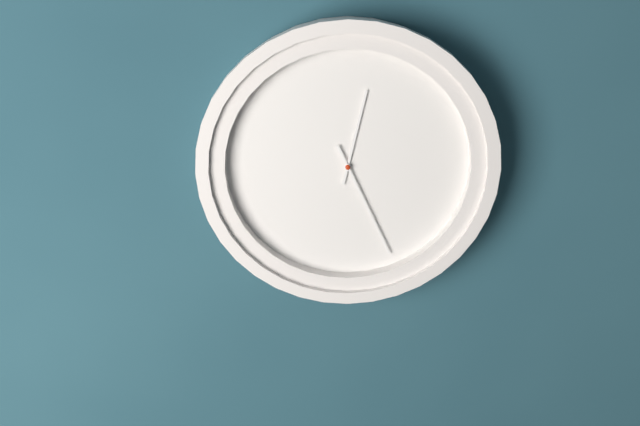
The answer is 12:26
